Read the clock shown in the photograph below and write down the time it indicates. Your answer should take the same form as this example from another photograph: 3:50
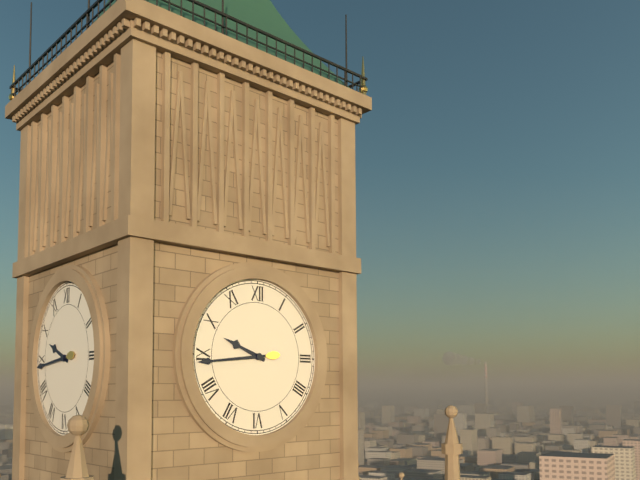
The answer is 9:44
